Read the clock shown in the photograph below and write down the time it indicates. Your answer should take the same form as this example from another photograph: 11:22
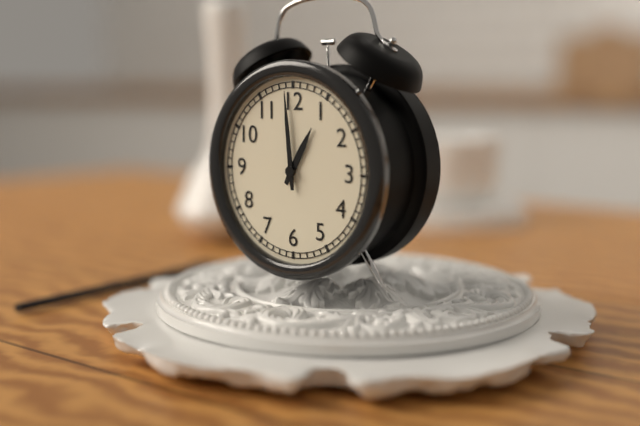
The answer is 12:59
